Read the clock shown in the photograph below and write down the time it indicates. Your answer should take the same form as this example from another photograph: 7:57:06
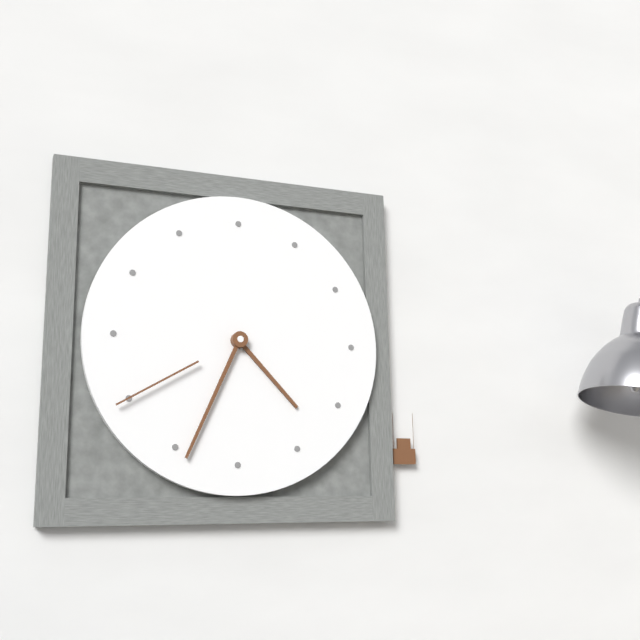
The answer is 4:34:40
